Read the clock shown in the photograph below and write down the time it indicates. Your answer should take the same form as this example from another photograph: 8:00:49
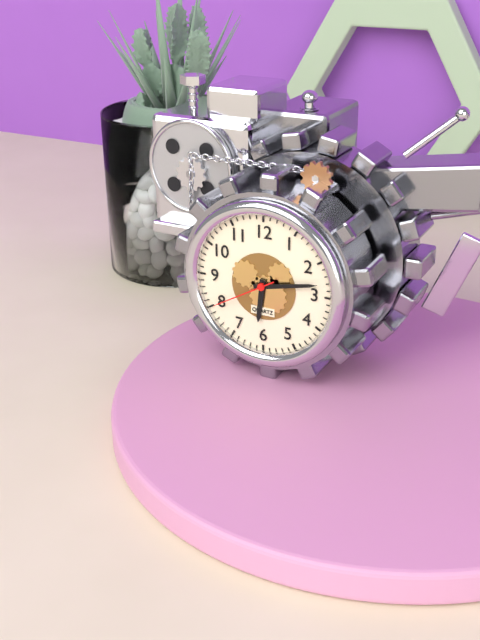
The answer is 6:13:40
